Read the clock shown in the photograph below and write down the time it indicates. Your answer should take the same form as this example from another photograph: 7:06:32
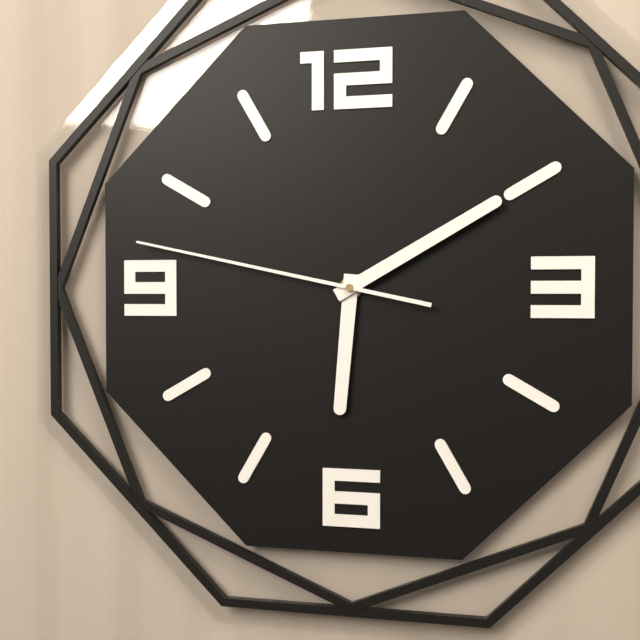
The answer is 6:10:47
